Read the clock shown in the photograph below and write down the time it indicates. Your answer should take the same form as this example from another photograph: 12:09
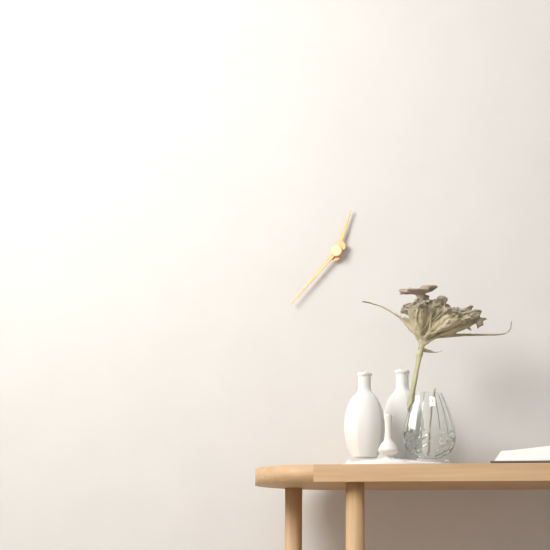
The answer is 12:37
